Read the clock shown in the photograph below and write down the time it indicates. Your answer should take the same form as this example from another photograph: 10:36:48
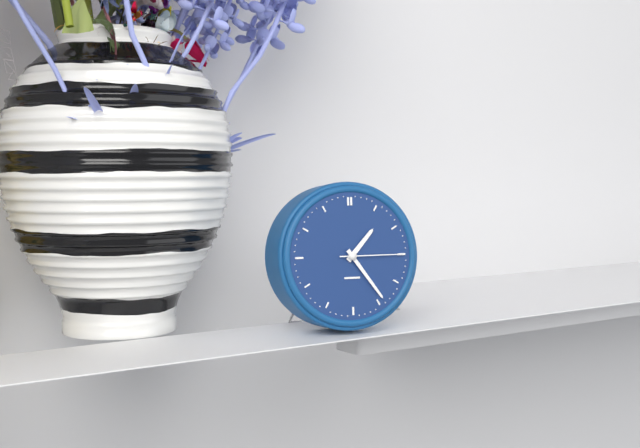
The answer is 1:24:15
